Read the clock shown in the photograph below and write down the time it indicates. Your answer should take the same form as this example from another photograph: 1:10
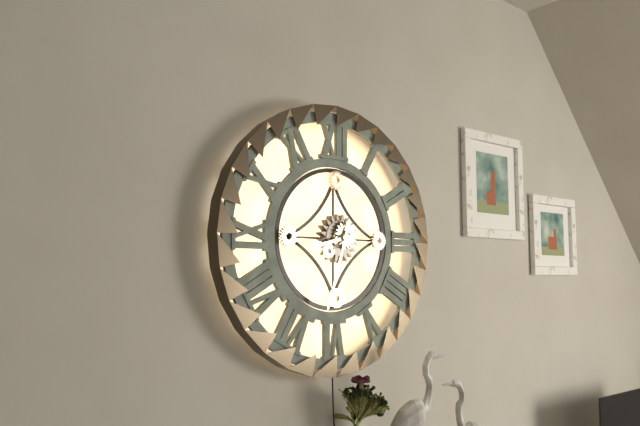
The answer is 8:33
